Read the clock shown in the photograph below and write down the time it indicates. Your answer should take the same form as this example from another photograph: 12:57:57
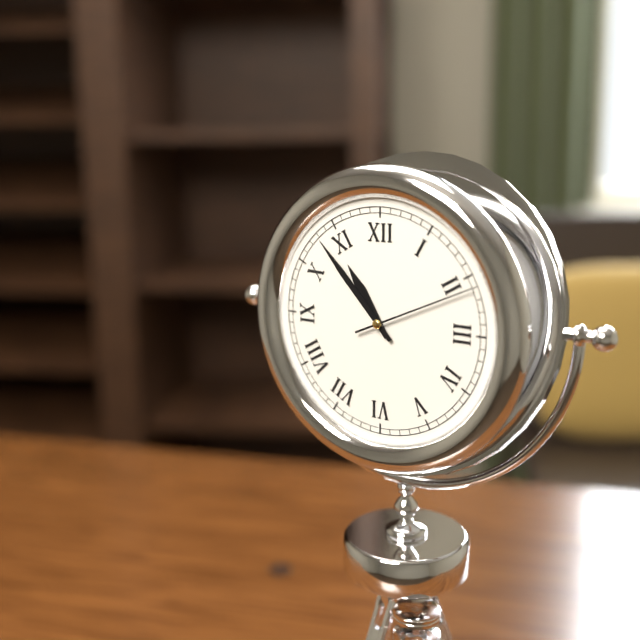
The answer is 10:53:11
